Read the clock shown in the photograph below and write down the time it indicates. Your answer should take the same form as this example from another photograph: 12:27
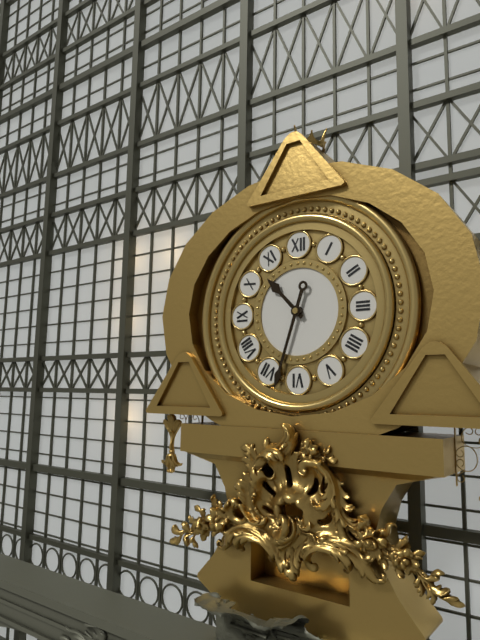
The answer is 10:33
